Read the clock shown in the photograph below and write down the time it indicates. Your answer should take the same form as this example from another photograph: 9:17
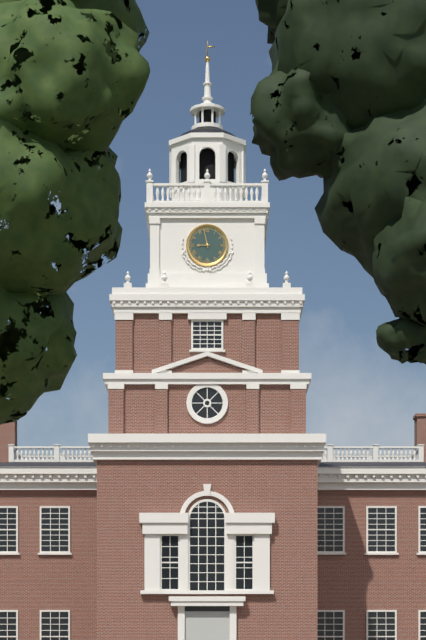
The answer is 8:58
